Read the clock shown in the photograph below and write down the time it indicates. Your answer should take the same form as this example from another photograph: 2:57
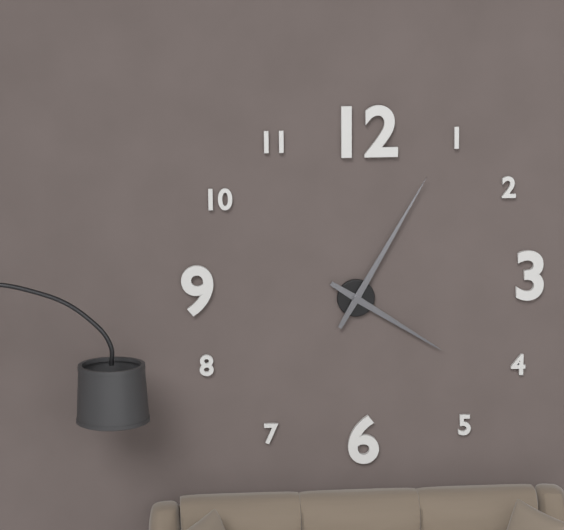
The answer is 4:05
